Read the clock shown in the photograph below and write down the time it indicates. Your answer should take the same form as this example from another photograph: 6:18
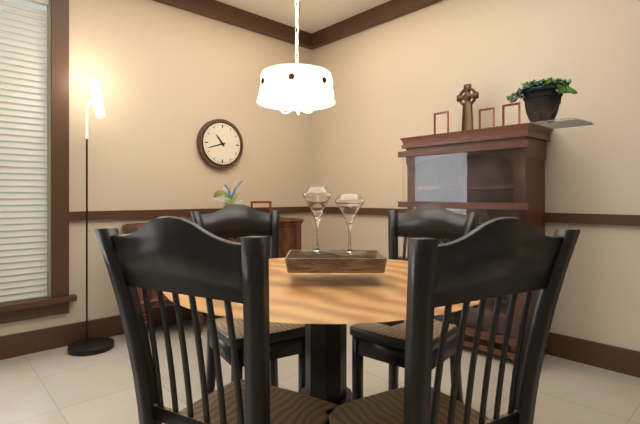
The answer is 10:42
